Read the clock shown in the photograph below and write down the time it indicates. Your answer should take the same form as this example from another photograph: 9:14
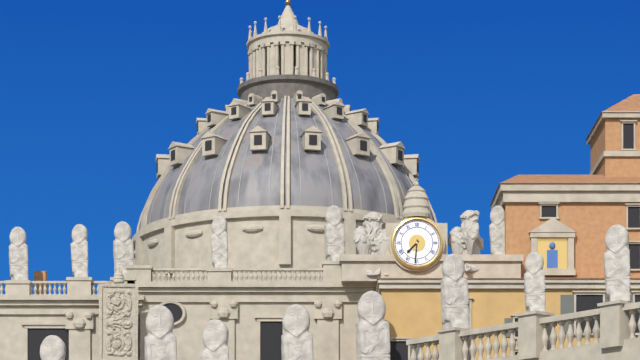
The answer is 7:31
